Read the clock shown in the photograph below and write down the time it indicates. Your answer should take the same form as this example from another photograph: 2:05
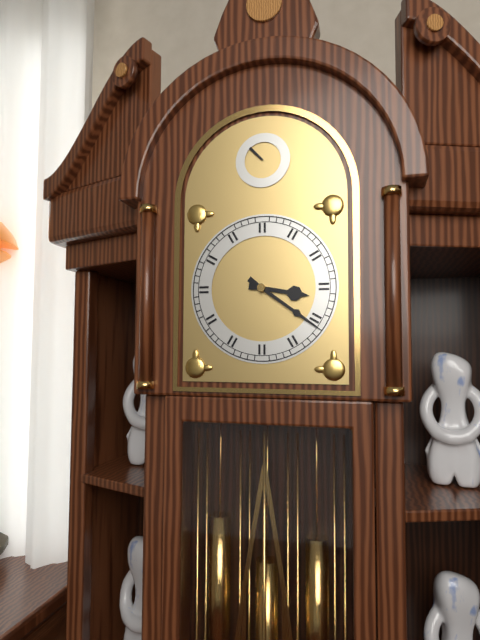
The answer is 3:21
